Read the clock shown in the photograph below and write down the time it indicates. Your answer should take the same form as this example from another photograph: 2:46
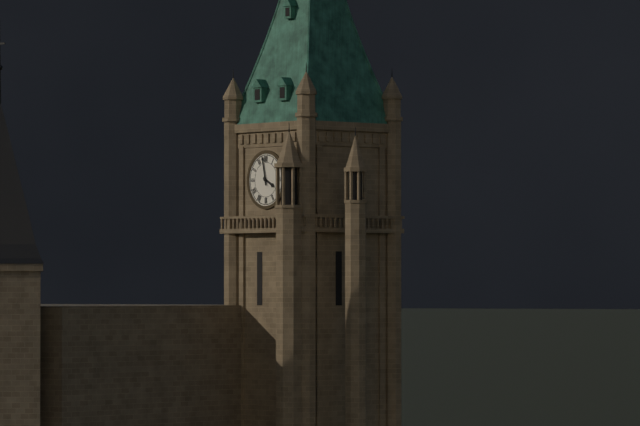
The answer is 3:58
